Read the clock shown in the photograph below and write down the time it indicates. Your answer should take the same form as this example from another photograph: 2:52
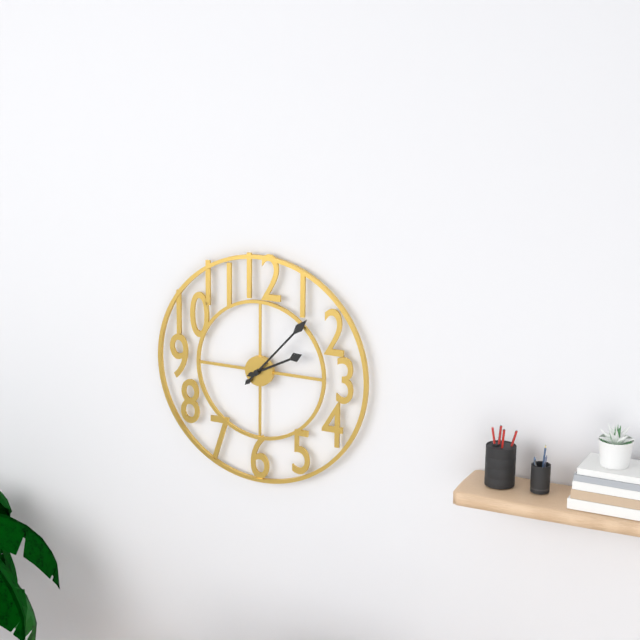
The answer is 2:07
